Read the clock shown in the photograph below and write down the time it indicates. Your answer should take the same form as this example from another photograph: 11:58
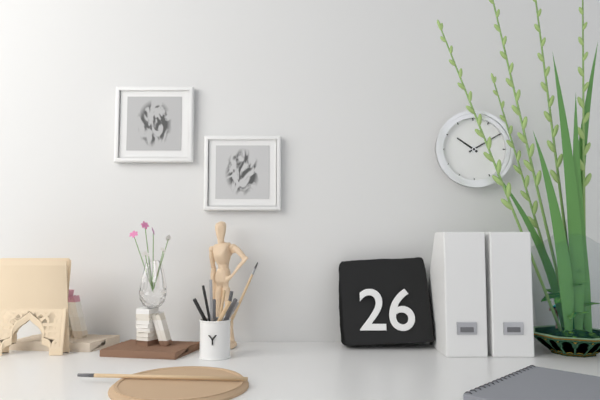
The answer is 10:10
